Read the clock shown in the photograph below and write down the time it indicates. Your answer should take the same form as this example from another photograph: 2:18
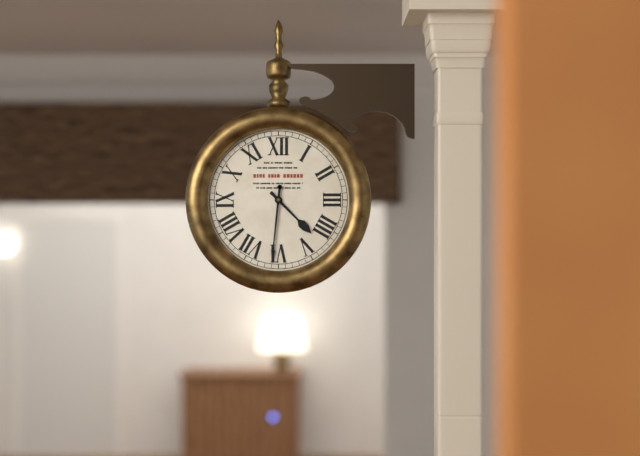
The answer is 4:31
